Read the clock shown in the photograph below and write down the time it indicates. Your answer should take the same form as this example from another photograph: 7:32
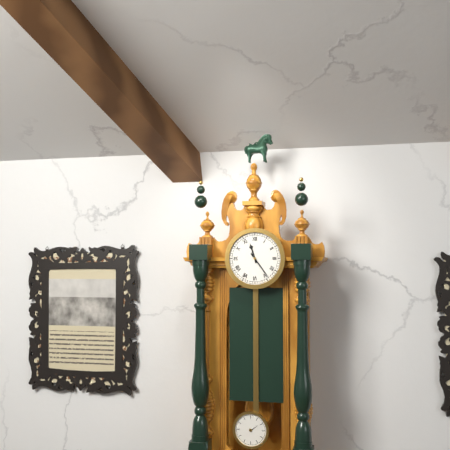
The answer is 11:24
